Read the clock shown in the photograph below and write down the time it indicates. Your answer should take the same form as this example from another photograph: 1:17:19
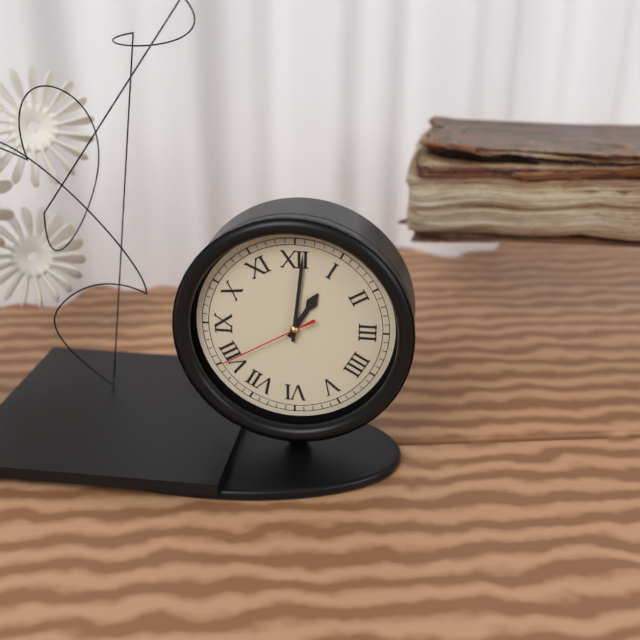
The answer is 1:01:40
